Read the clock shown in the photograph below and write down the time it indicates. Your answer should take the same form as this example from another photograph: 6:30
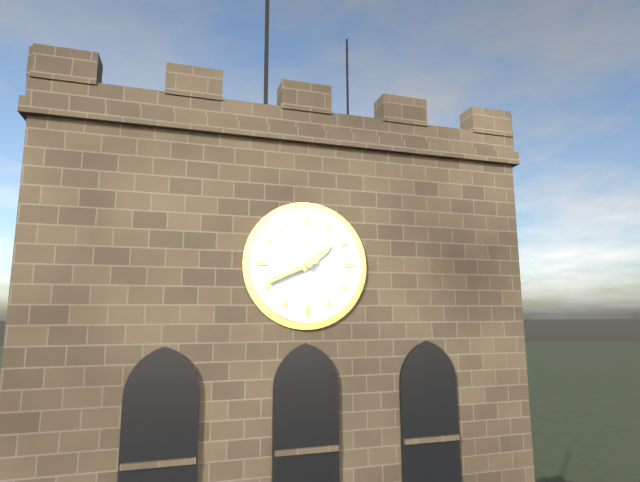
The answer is 1:41
